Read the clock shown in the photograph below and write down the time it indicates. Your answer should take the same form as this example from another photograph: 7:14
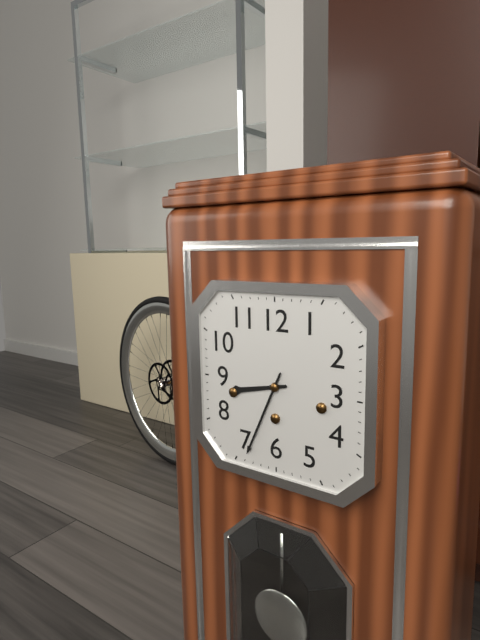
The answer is 8:34
